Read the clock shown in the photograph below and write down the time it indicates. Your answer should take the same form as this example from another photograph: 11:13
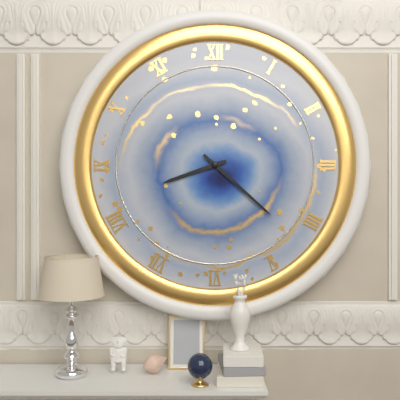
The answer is 8:22
